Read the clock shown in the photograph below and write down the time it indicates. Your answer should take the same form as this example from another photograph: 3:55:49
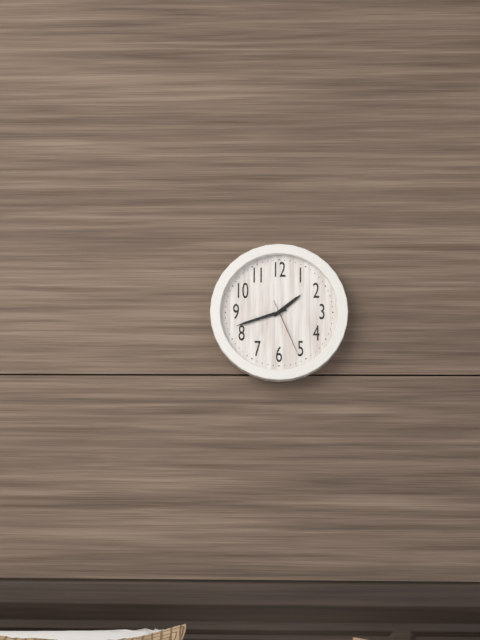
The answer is 1:42:26
